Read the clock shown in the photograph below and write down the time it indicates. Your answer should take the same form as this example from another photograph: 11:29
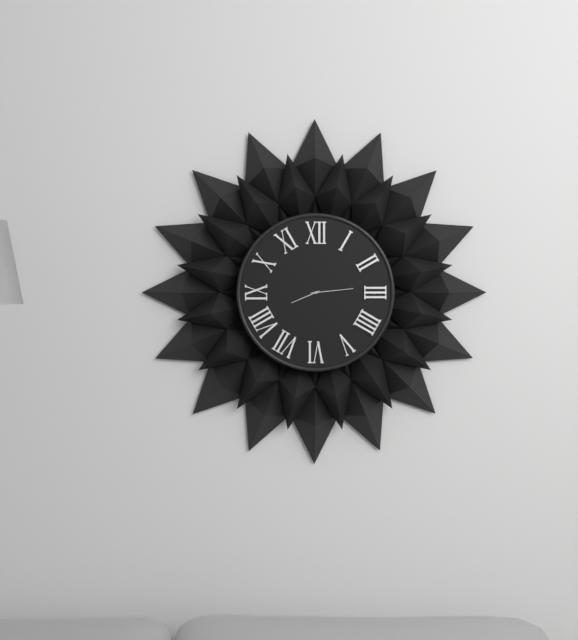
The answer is 8:14
